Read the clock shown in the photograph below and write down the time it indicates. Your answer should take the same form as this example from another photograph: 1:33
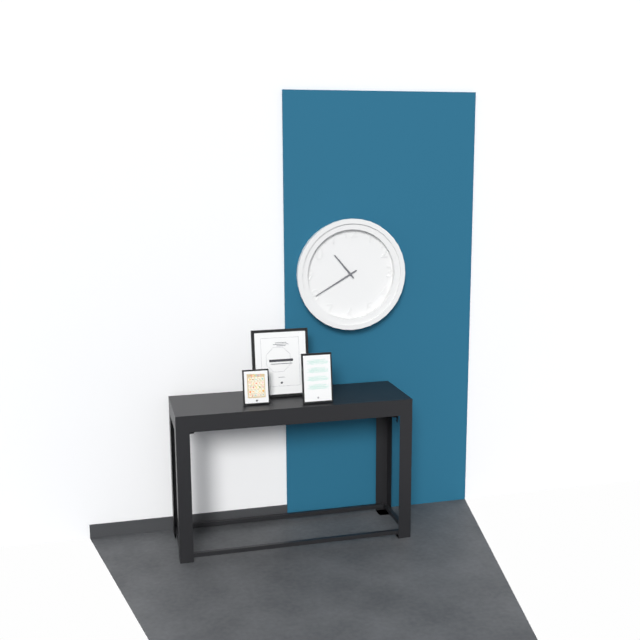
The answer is 10:40
